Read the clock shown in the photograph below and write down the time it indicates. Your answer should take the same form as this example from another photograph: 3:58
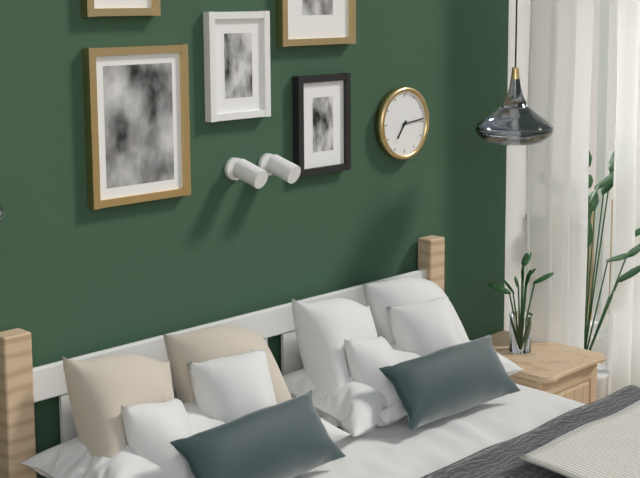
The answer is 7:14
